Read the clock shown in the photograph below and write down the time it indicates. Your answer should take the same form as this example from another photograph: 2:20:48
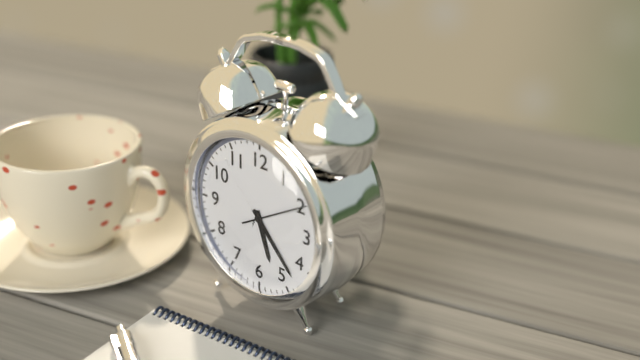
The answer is 5:23:10
